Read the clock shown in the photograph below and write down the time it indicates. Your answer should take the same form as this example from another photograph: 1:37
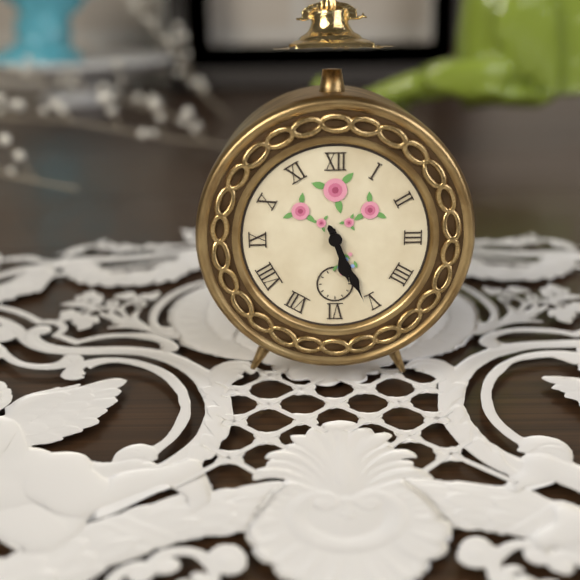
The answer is 5:26
